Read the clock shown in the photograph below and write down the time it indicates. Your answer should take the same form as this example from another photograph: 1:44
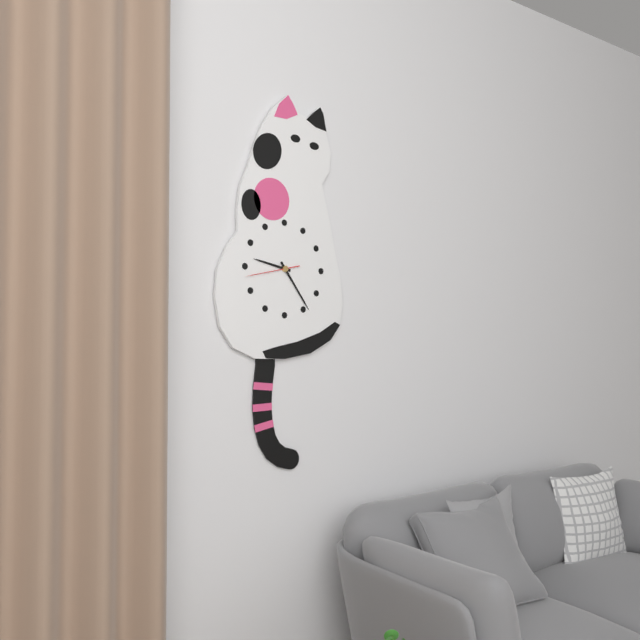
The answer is 9:24
